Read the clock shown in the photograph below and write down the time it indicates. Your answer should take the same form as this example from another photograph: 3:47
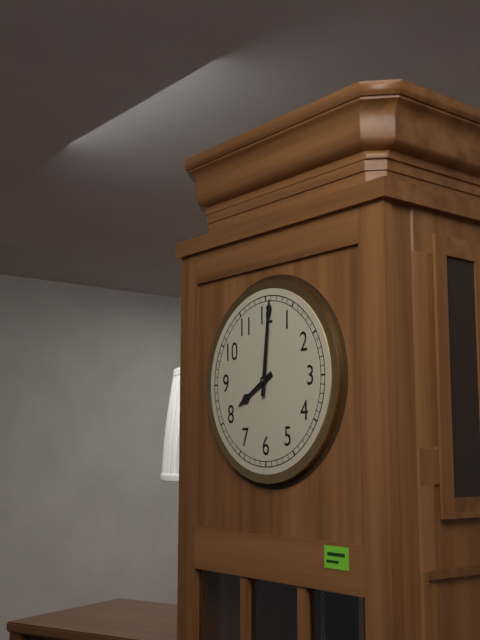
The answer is 8:01
